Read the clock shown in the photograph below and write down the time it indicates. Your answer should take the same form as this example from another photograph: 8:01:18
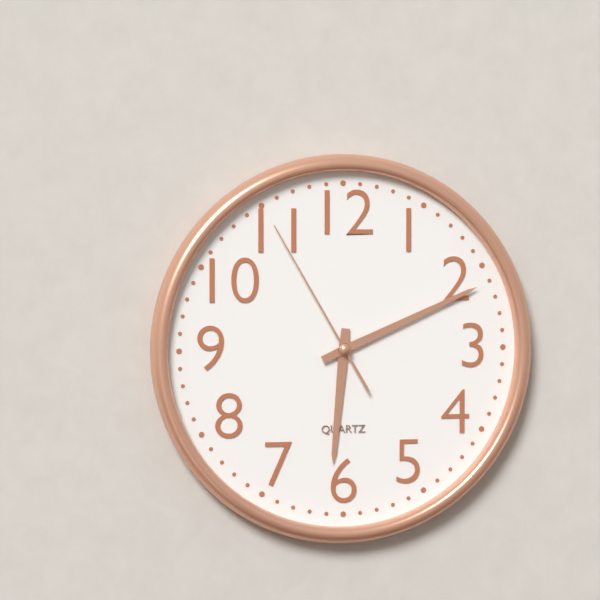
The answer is 6:11:55
